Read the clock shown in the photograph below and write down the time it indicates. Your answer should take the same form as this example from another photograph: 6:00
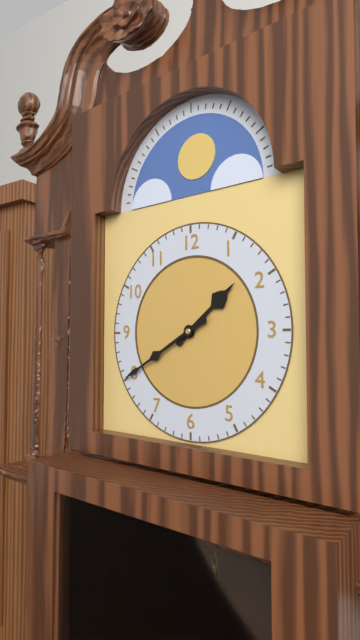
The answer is 1:40
